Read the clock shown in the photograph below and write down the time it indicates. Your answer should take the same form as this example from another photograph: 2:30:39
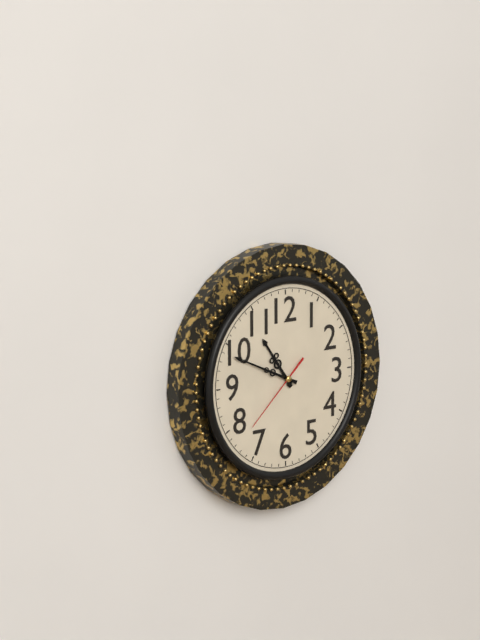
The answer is 10:49:38
